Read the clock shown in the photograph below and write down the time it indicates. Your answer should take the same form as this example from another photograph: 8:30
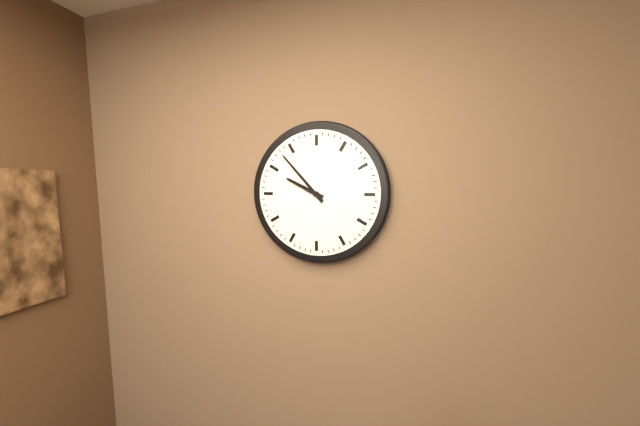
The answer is 9:53
